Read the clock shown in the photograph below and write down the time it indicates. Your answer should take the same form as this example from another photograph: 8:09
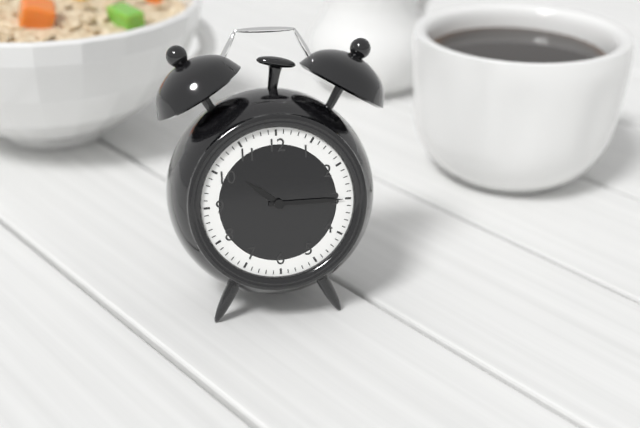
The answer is 10:15
